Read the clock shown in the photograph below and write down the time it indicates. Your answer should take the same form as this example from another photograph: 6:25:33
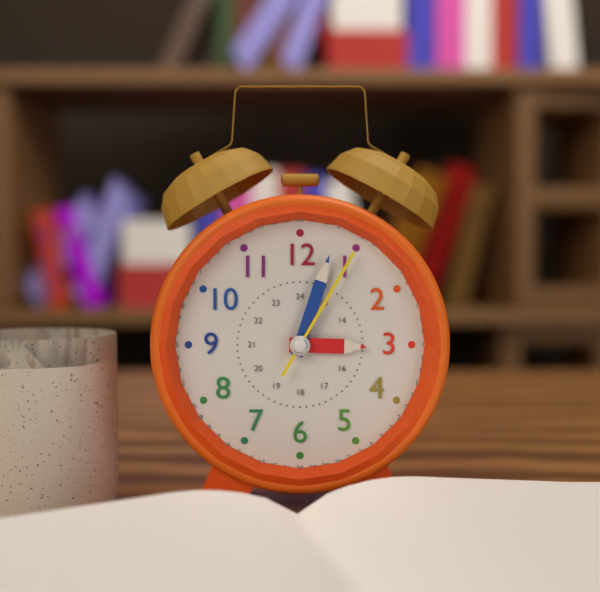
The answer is 3:03:05
